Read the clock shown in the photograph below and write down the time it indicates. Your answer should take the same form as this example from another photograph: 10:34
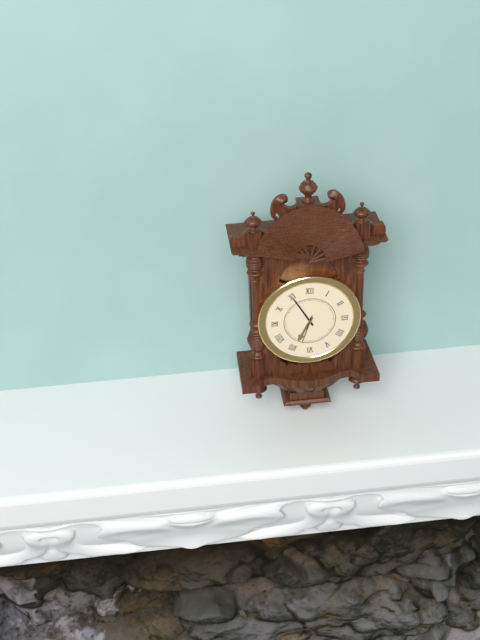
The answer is 6:55
